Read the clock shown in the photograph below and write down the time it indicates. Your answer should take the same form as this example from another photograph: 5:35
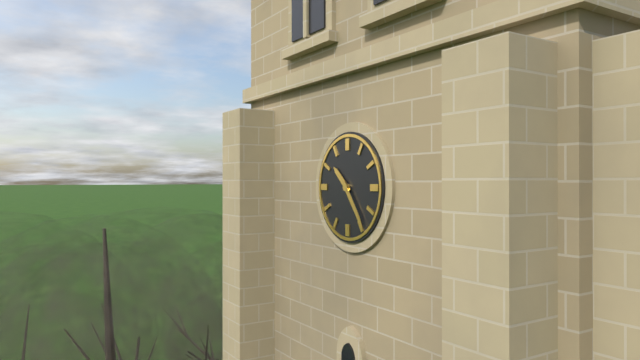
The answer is 10:24
